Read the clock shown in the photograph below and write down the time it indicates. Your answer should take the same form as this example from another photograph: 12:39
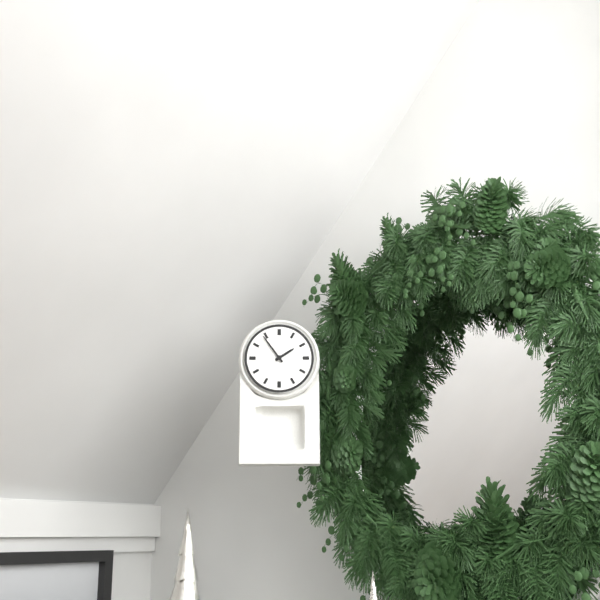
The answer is 1:54
